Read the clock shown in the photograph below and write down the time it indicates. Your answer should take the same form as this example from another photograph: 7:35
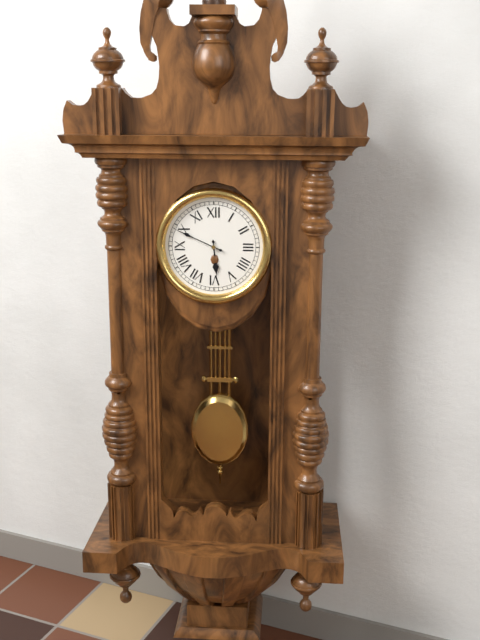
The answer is 5:49
